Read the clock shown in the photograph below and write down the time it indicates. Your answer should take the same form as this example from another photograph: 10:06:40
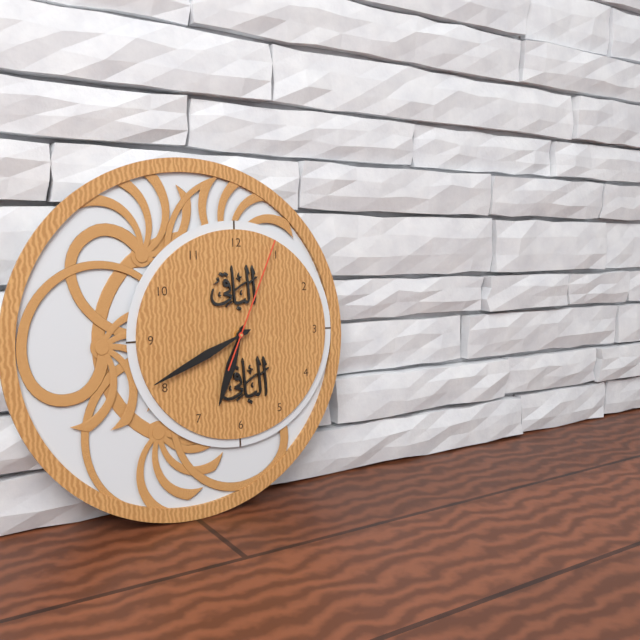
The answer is 6:41:04
